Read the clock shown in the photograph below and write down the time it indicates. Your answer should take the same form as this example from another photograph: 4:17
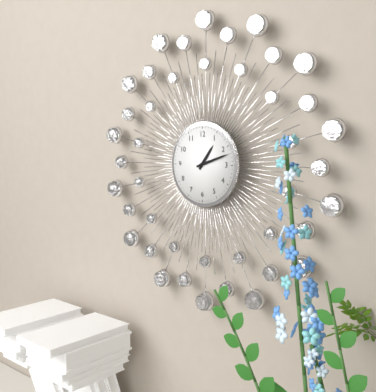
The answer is 1:12
